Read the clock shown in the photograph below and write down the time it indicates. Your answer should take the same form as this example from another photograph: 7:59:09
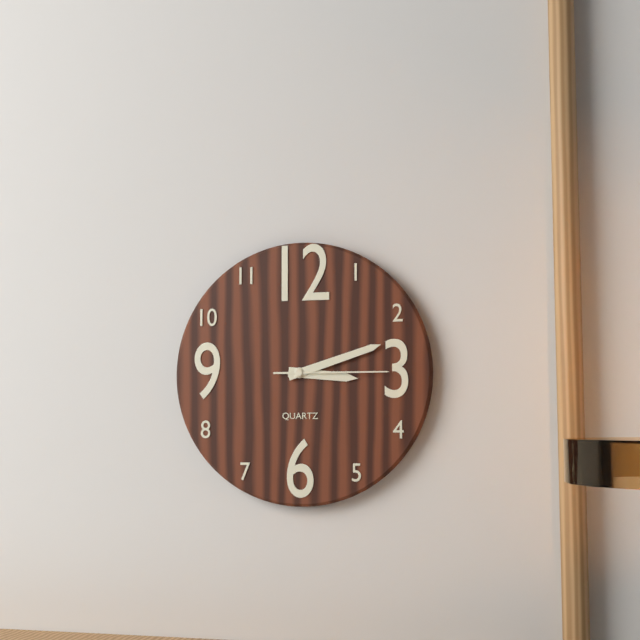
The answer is 3:12:15
